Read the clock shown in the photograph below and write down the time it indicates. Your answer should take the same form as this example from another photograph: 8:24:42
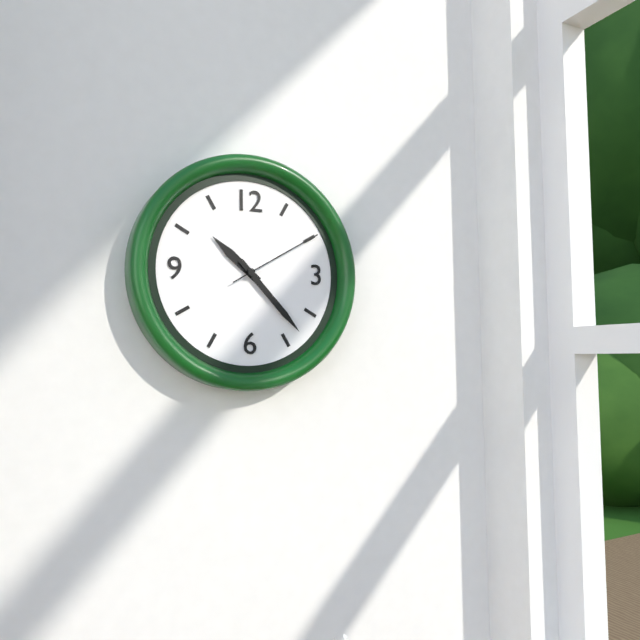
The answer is 10:23:10
